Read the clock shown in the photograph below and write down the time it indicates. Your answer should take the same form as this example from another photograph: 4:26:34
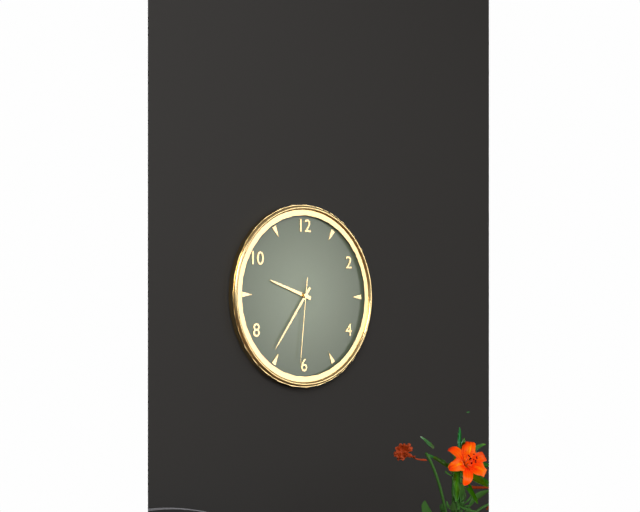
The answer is 9:36:31
